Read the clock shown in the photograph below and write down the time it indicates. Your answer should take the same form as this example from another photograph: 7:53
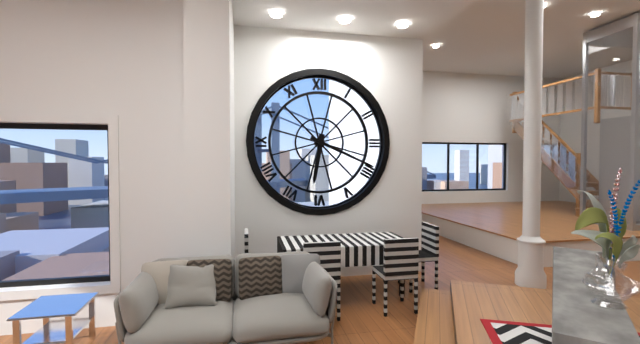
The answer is 6:19
